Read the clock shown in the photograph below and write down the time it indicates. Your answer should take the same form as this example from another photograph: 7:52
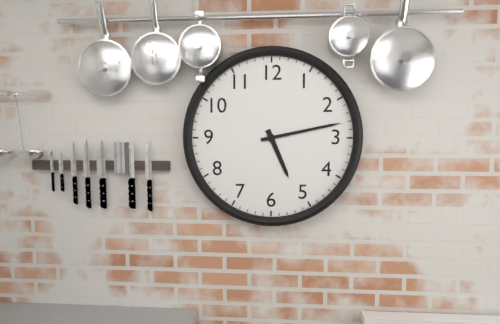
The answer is 5:13
